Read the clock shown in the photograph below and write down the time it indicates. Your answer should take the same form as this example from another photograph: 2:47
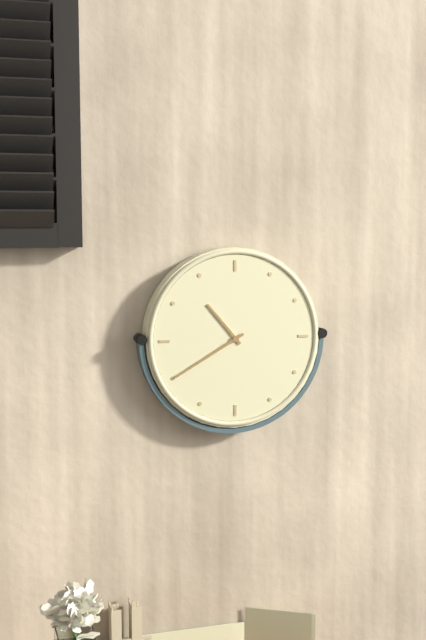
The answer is 10:40
